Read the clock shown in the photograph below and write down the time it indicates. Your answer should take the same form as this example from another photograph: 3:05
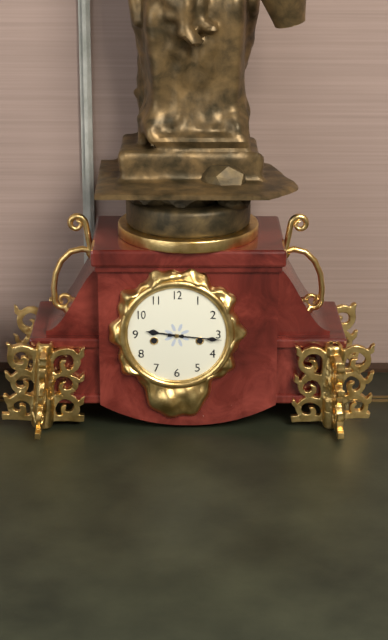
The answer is 9:16
